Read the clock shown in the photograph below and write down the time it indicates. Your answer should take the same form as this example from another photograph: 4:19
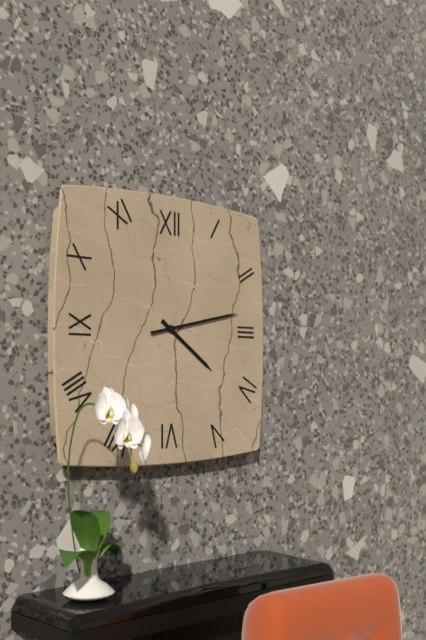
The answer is 4:13
